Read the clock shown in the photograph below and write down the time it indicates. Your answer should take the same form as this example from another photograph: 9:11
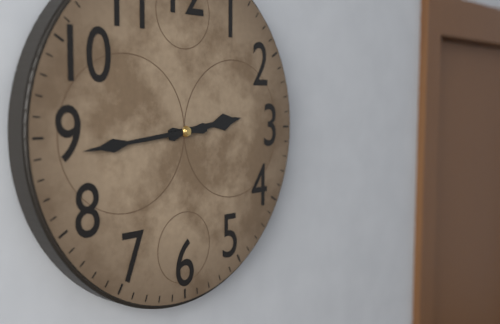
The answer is 2:44
